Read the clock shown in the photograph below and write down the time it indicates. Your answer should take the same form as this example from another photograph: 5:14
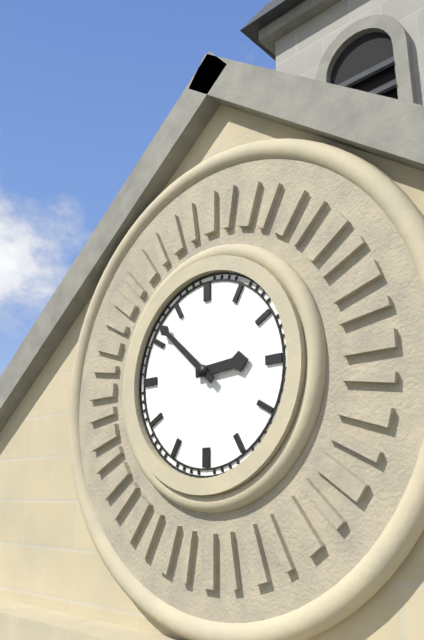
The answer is 2:52
